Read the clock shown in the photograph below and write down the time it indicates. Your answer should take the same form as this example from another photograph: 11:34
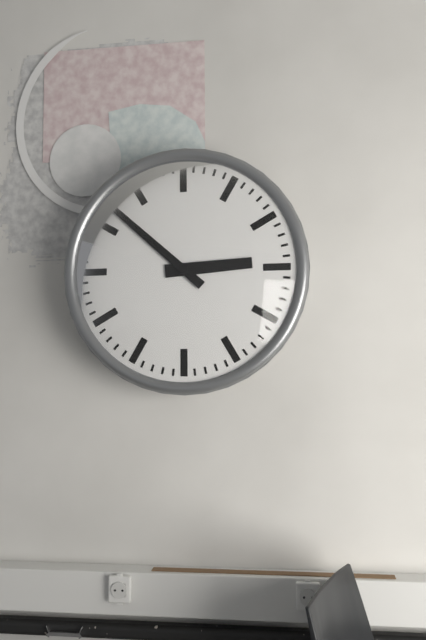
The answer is 2:52
